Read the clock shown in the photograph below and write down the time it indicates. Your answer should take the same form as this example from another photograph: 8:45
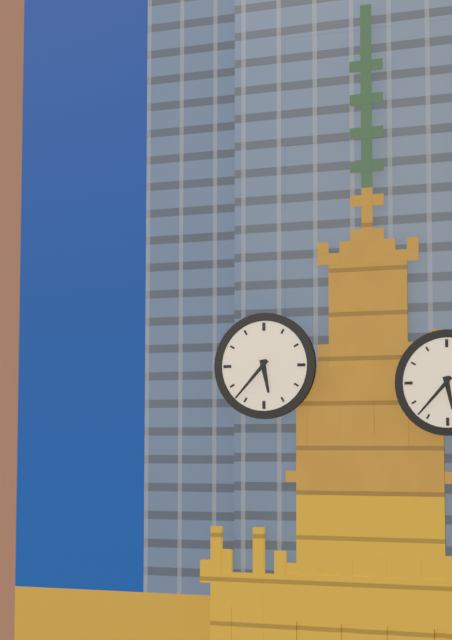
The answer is 5:37
